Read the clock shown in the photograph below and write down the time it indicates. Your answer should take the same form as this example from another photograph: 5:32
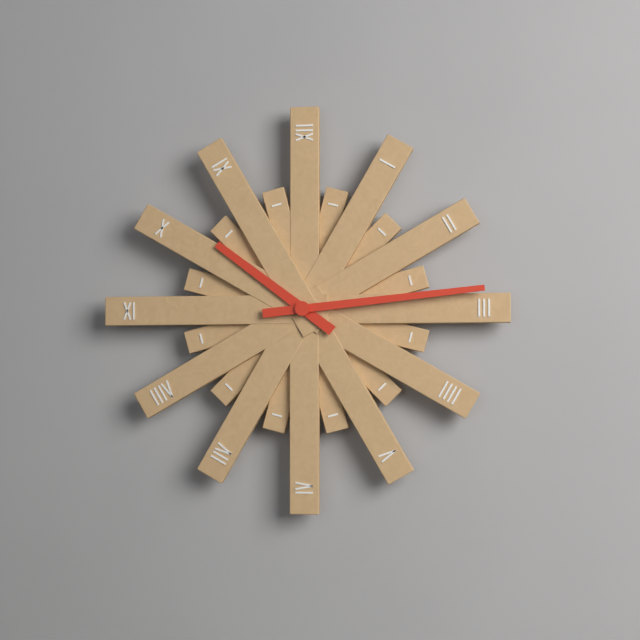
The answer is 10:14
